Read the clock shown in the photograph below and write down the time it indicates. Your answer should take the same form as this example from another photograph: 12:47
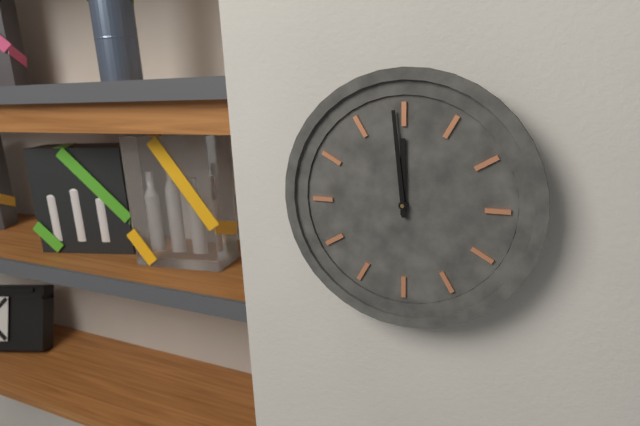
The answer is 11:59
